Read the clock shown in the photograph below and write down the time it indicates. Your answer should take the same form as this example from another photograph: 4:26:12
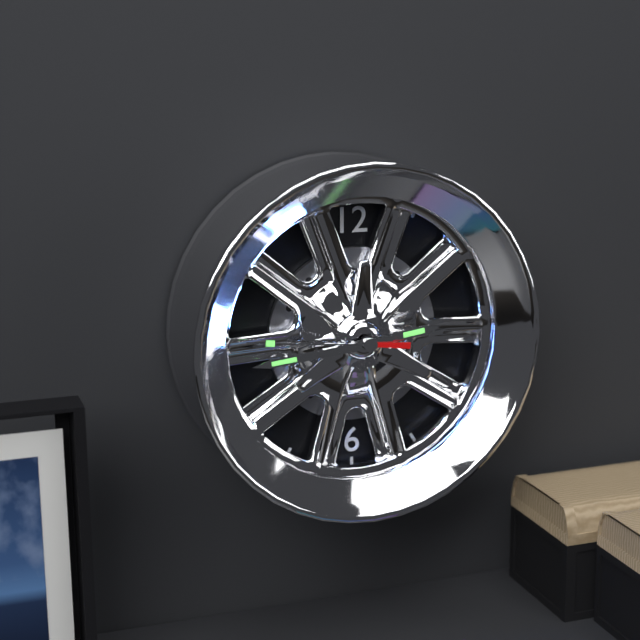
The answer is 2:44:46
